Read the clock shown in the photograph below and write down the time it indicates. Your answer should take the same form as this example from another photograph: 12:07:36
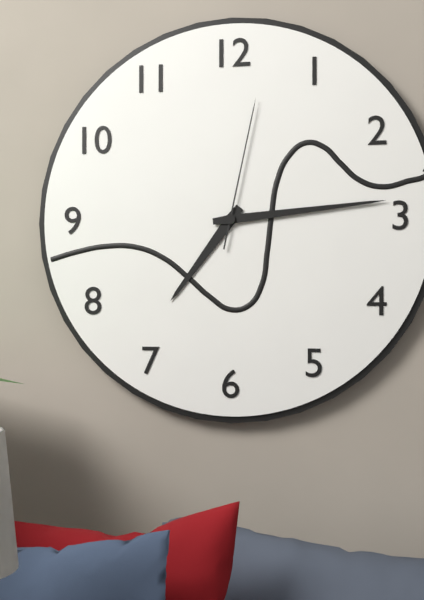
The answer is 7:14:02
